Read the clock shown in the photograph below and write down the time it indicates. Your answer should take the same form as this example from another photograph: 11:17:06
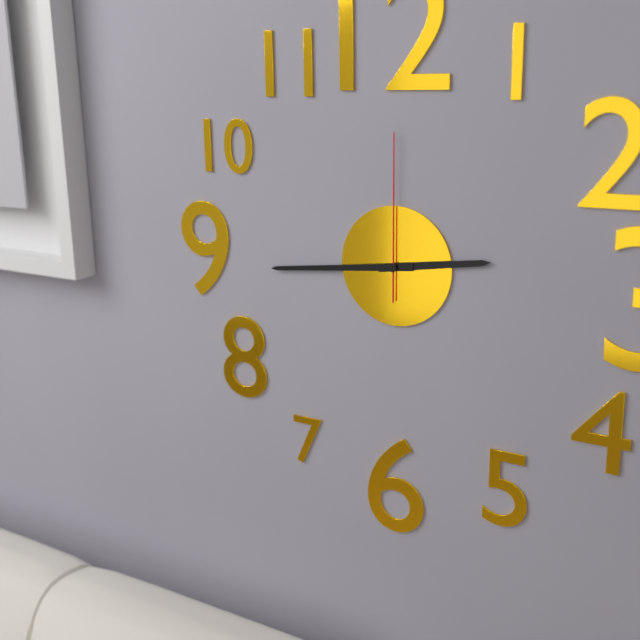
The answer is 2:44:00
